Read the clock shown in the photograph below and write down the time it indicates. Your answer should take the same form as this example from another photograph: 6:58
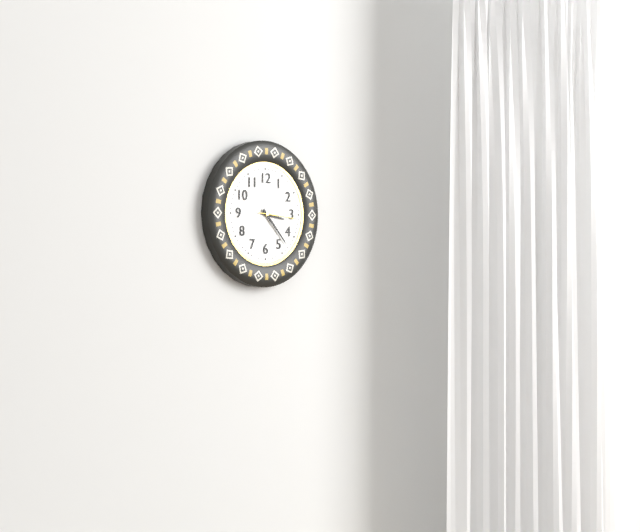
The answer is 3:23
